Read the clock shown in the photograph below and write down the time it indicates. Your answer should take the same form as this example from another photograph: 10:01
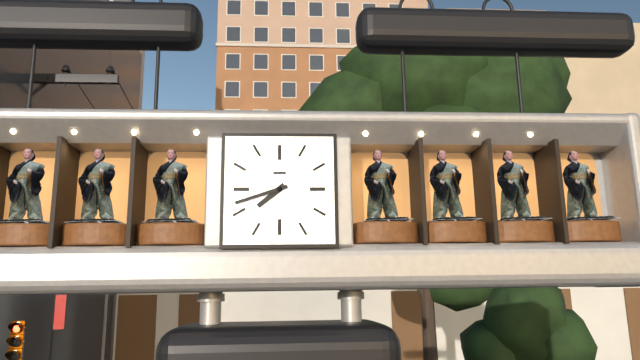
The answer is 7:42
